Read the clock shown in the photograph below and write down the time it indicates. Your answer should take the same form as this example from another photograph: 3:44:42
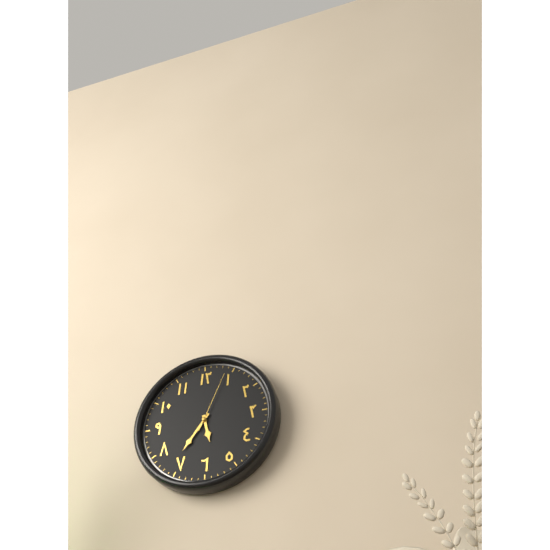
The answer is 5:36:04
